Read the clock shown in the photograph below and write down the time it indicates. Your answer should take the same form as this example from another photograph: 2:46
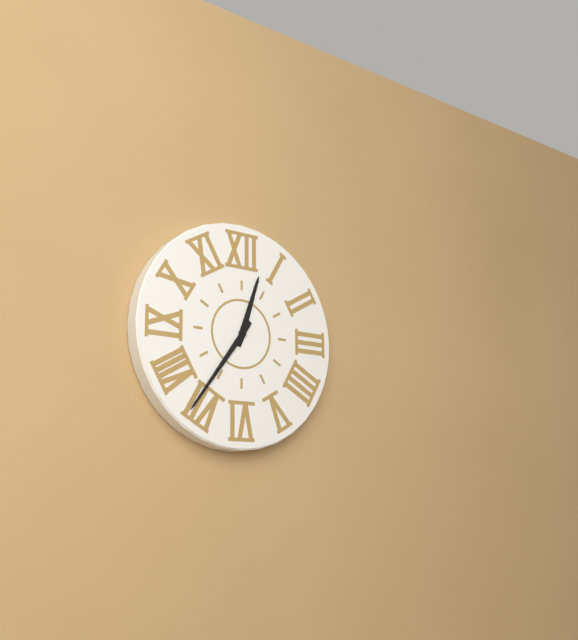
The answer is 12:36
